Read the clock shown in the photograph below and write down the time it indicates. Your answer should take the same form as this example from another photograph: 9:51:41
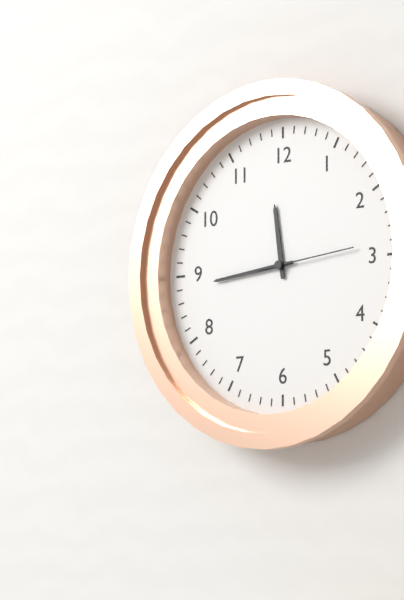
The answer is 11:44:14
